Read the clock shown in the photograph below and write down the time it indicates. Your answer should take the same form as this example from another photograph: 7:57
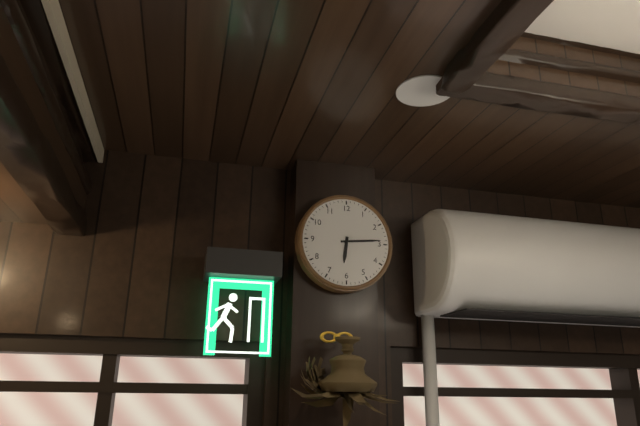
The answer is 6:14
